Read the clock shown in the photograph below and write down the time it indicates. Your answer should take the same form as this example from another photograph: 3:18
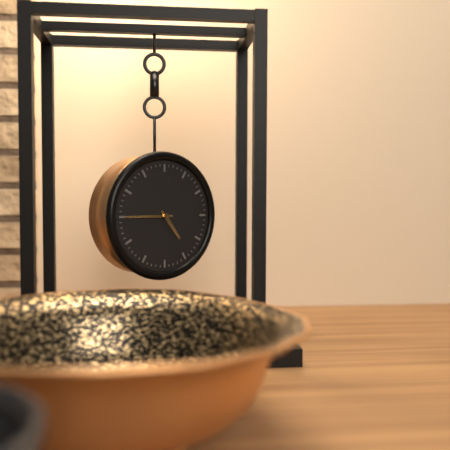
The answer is 4:45
